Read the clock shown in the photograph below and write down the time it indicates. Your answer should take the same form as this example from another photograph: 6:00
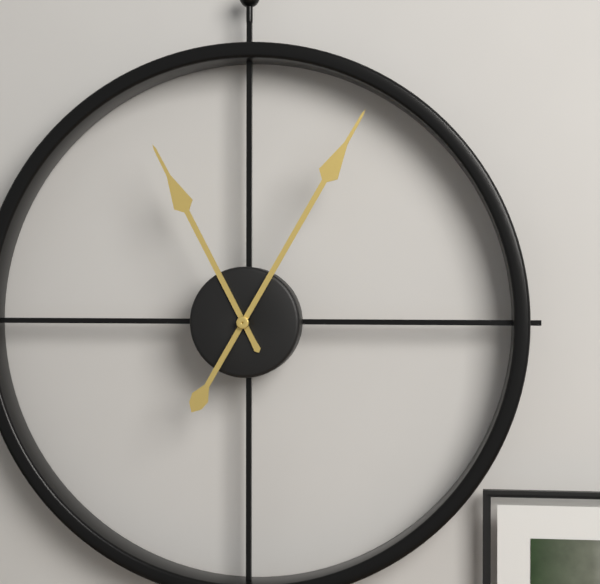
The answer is 11:05
